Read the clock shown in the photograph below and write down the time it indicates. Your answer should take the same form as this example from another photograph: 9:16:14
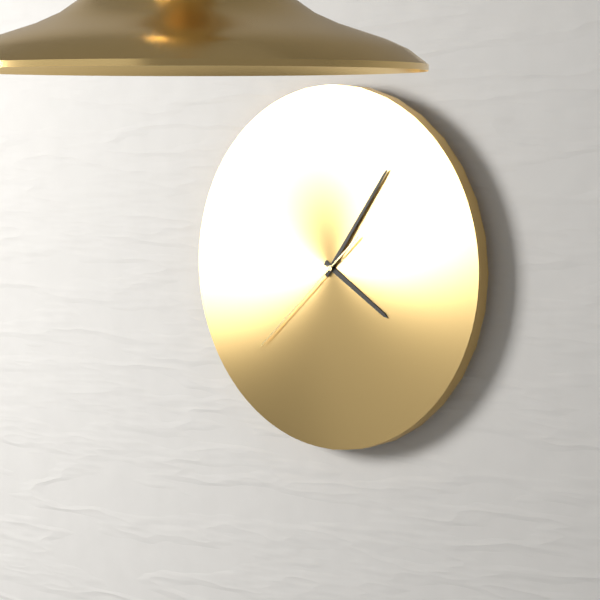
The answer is 4:06:38
